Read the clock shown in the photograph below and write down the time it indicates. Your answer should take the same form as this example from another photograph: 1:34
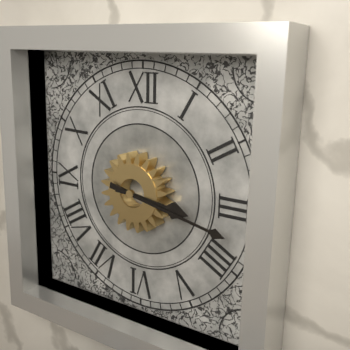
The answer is 3:17
